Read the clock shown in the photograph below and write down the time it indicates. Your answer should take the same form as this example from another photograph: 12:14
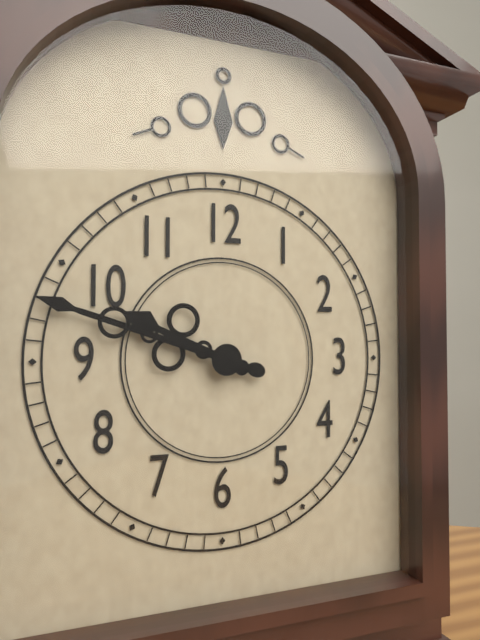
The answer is 9:48
